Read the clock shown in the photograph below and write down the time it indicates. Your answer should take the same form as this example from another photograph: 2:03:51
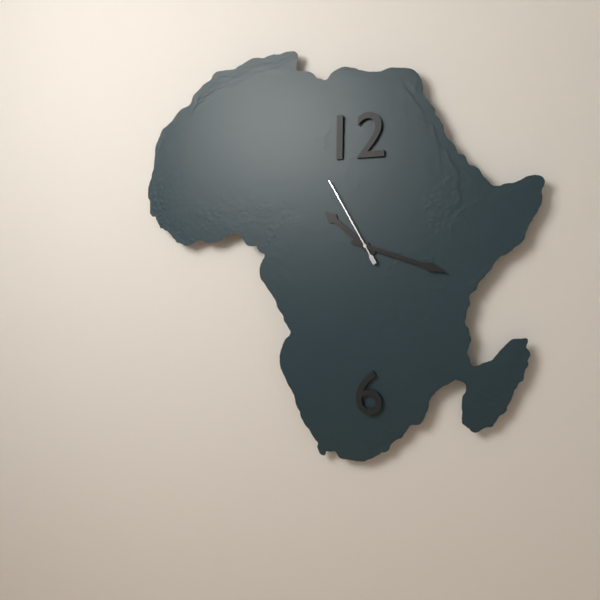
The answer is 10:18:55
